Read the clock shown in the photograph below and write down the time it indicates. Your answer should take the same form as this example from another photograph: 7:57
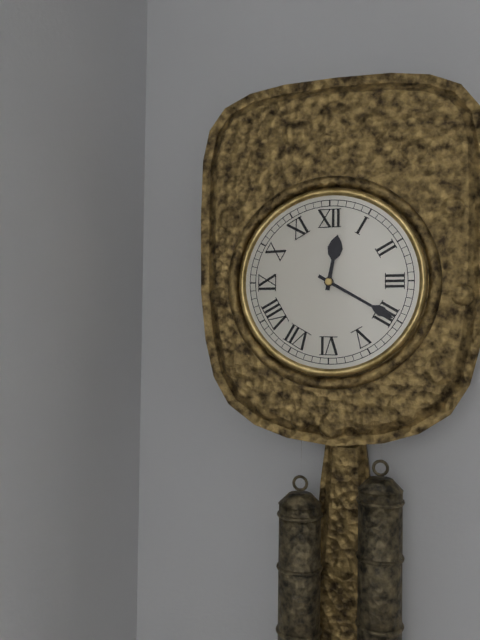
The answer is 12:20
